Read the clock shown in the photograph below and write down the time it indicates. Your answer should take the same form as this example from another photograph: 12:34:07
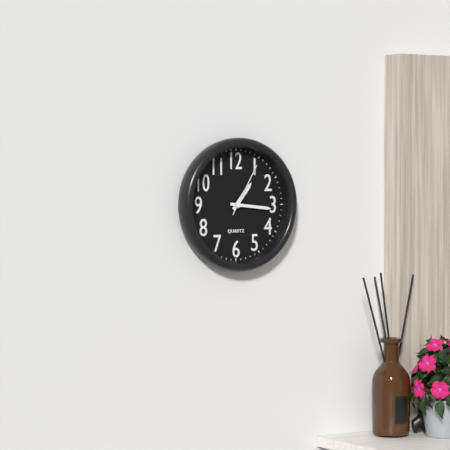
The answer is 1:16:05
